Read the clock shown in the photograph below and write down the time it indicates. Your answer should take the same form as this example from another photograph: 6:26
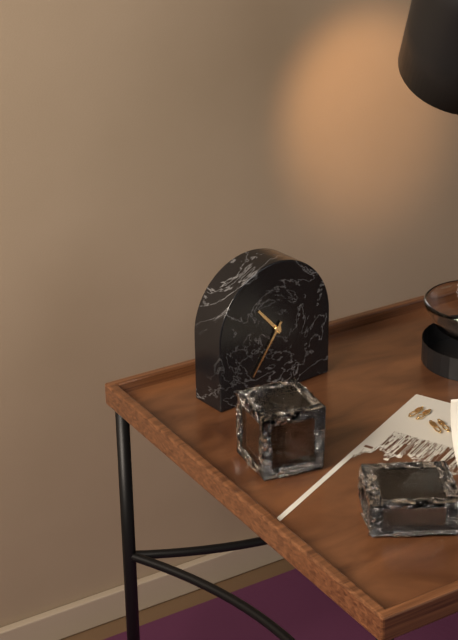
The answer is 10:36
